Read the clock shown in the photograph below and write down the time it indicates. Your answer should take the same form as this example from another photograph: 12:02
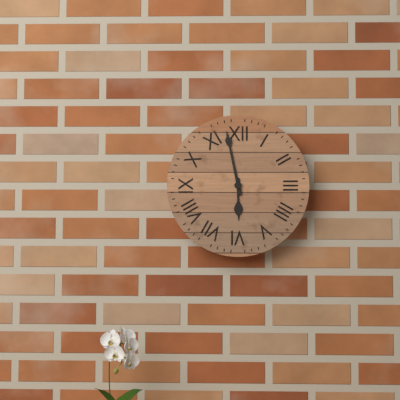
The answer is 5:58
